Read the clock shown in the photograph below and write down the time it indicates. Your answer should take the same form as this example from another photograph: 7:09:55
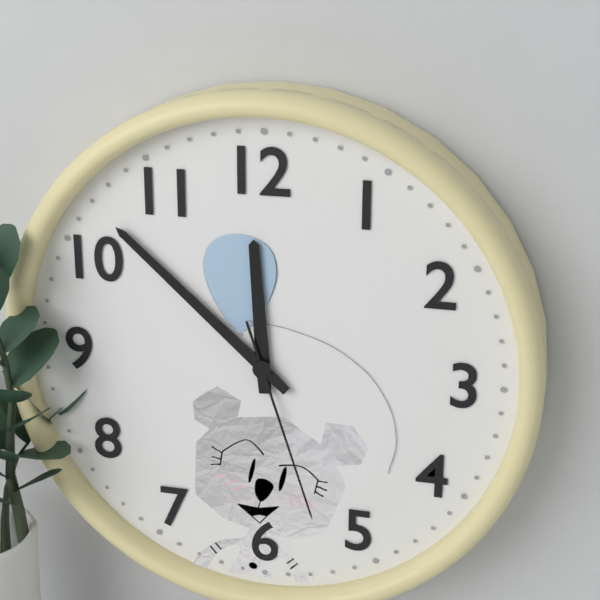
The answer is 11:52:27
